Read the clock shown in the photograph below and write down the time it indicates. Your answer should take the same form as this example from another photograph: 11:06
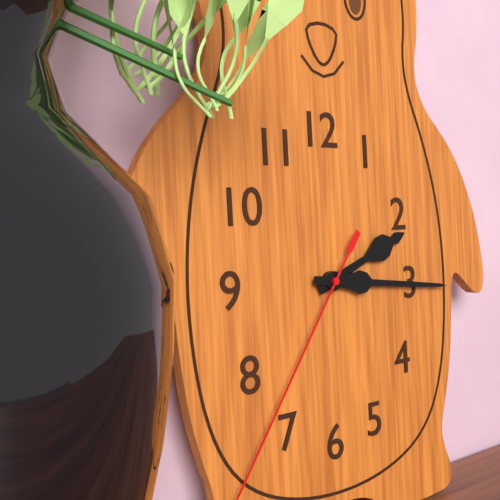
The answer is 2:16
